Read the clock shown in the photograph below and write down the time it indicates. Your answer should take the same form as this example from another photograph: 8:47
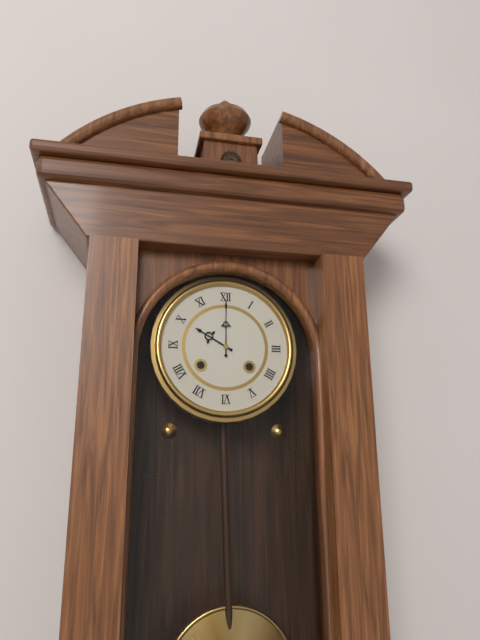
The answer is 10:00
